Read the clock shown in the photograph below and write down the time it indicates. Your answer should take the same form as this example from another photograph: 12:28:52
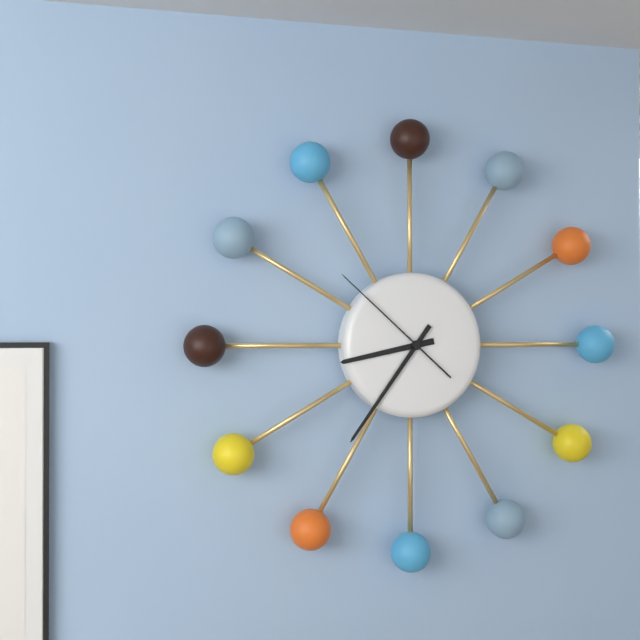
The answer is 8:36:52
